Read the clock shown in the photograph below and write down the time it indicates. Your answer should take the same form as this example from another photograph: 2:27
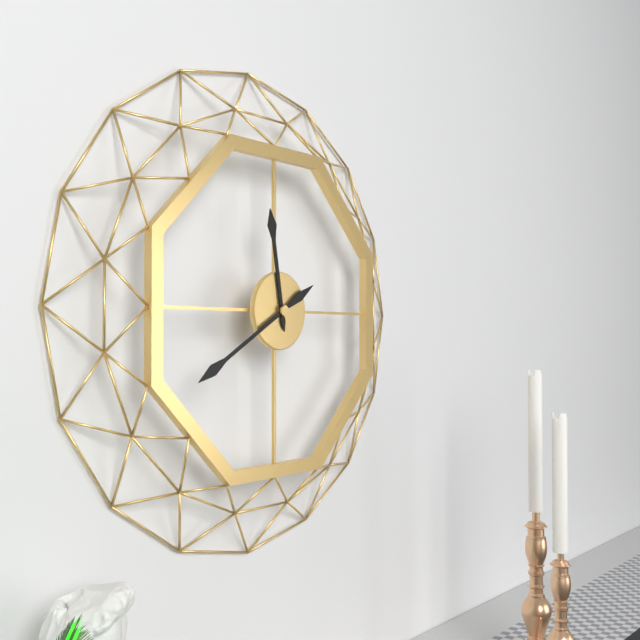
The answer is 11:40
